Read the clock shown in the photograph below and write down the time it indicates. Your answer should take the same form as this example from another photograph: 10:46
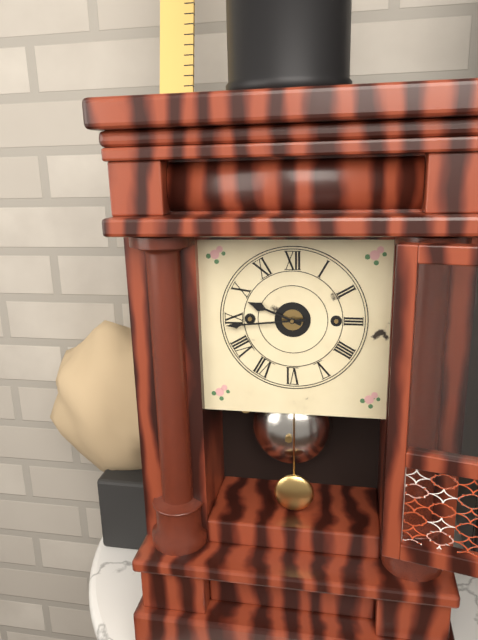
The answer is 9:44
